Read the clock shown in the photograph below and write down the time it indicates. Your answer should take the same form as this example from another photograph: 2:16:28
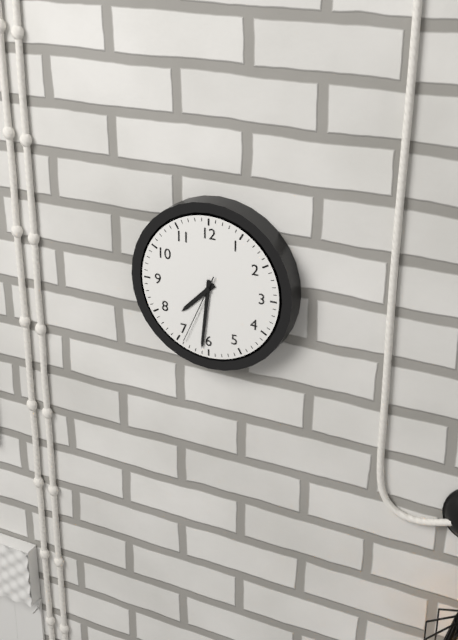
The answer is 7:31:34
